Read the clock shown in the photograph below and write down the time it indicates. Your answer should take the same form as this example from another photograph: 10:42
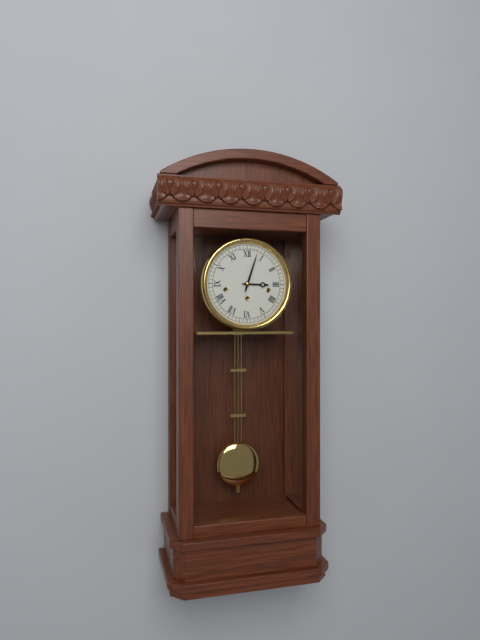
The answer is 3:03
